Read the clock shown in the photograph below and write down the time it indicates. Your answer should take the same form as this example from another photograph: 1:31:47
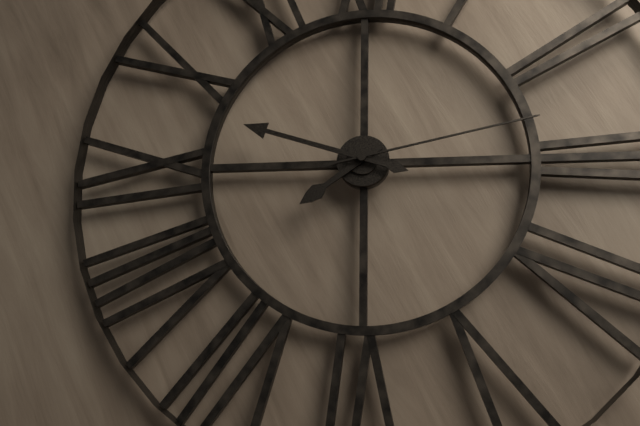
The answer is 7:48:13
